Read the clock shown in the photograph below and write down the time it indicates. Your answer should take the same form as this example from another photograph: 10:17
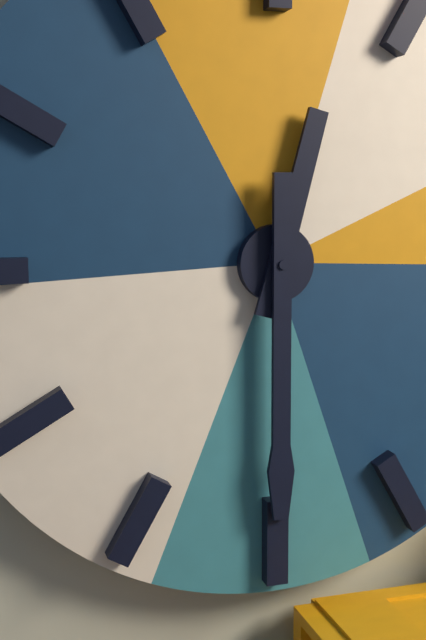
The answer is 12:30
